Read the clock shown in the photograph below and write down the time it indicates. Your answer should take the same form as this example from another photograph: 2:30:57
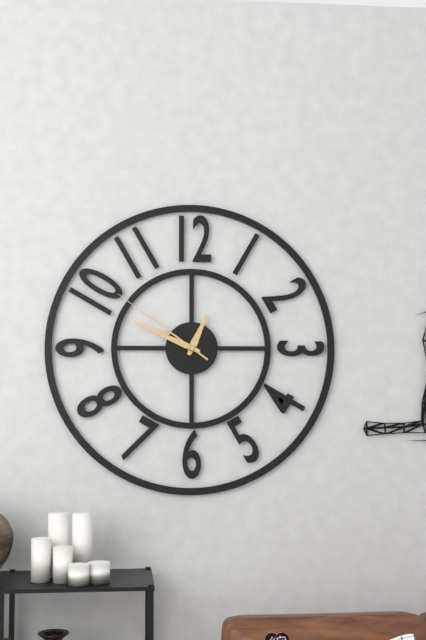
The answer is 12:49:51
